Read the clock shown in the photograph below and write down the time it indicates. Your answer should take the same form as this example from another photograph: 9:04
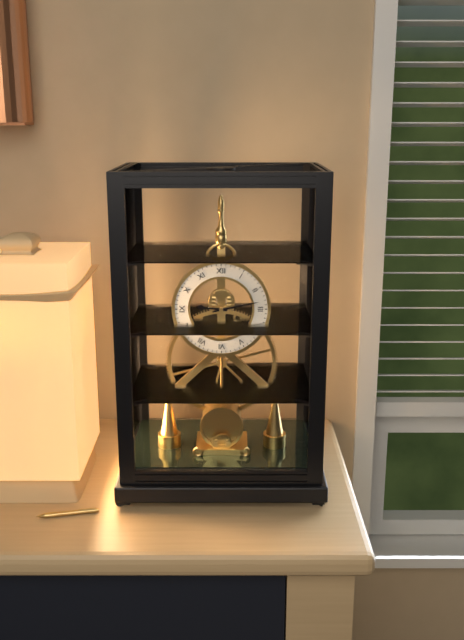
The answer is 9:13
